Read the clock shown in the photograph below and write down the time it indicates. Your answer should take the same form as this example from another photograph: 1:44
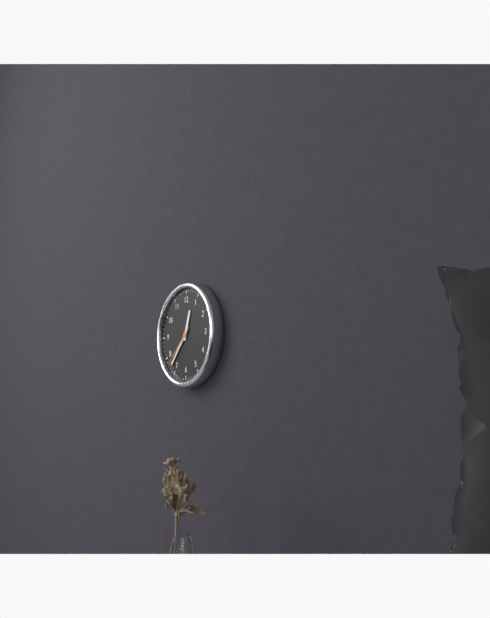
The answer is 12:37
